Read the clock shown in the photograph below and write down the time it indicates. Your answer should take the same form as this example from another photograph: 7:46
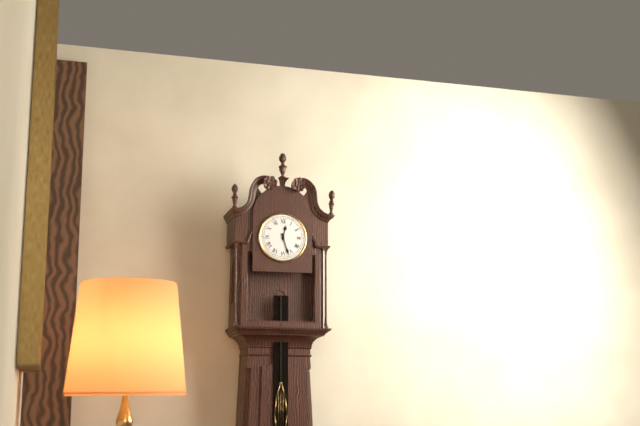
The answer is 12:27
